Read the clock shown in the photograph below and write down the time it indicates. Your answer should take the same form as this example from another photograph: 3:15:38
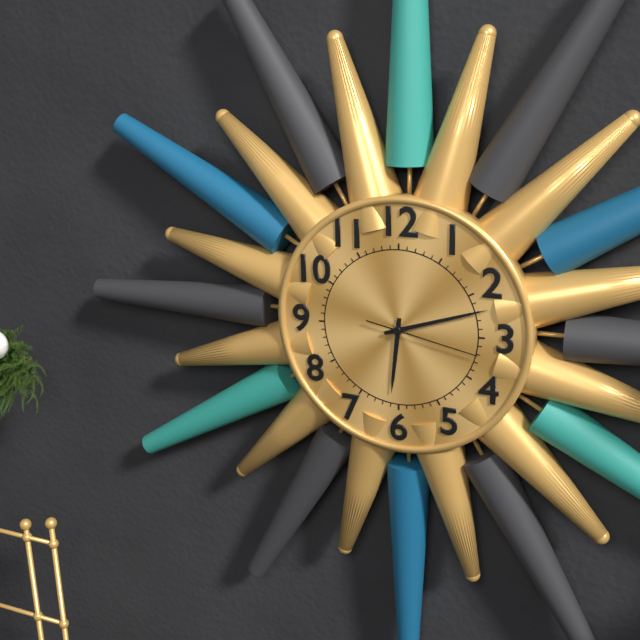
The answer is 6:12:17
